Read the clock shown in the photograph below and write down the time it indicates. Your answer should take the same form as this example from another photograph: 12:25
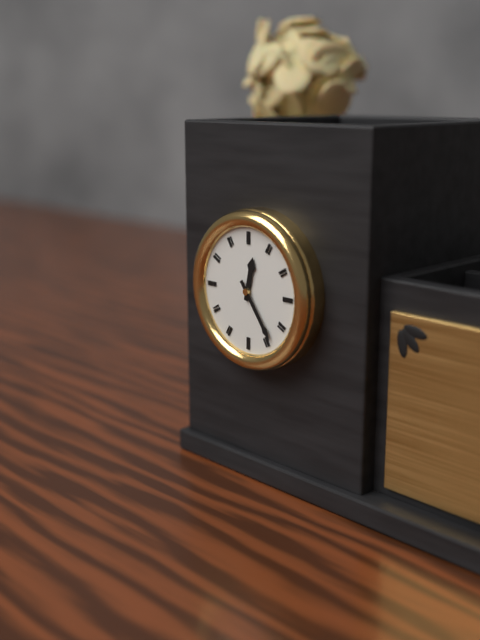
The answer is 12:24
